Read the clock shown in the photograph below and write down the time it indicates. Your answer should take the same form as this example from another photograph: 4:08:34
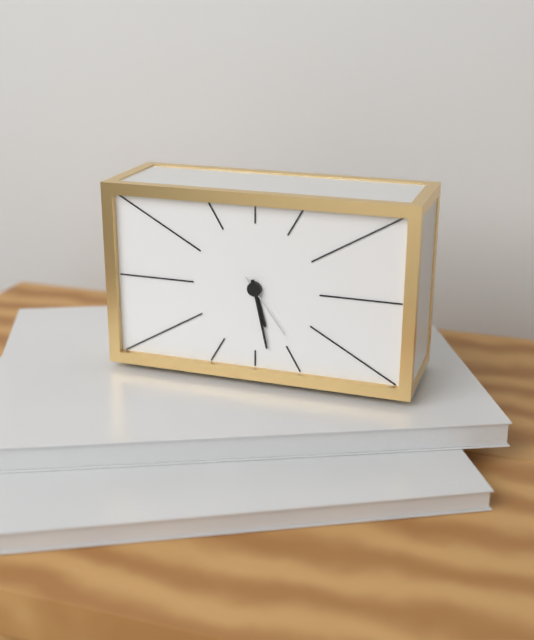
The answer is 5:28:24
